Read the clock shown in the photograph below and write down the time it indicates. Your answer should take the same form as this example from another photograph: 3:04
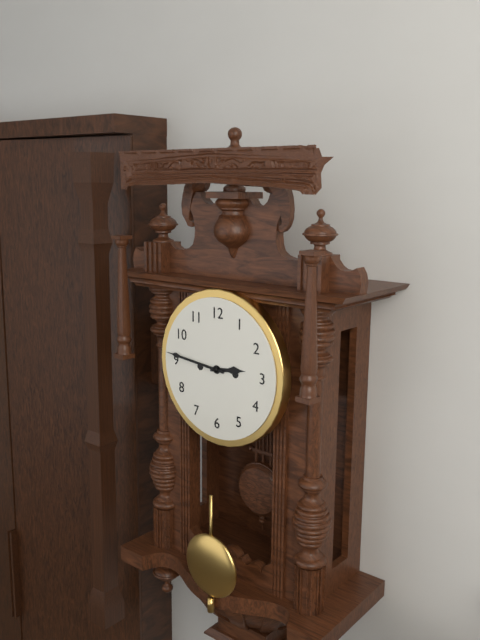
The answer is 2:46
